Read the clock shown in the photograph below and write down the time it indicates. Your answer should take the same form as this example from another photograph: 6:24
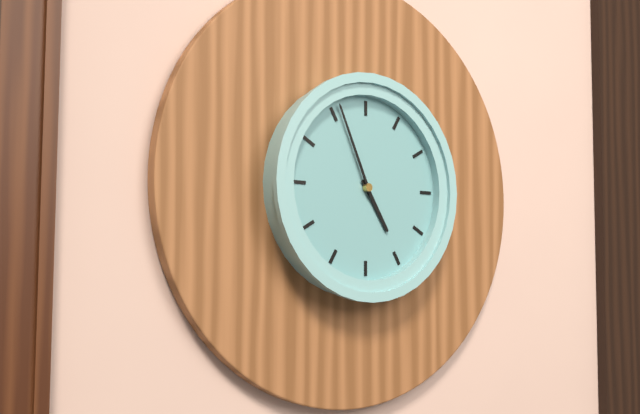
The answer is 4:56
